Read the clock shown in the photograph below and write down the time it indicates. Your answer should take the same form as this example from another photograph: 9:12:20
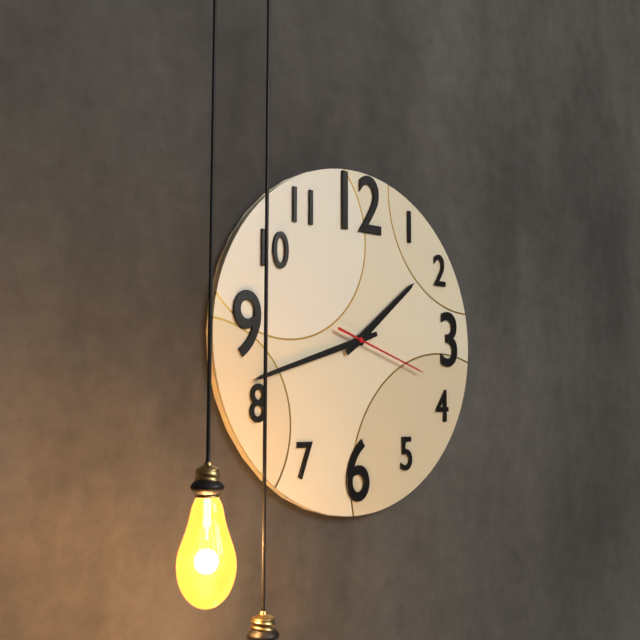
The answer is 1:42:18
